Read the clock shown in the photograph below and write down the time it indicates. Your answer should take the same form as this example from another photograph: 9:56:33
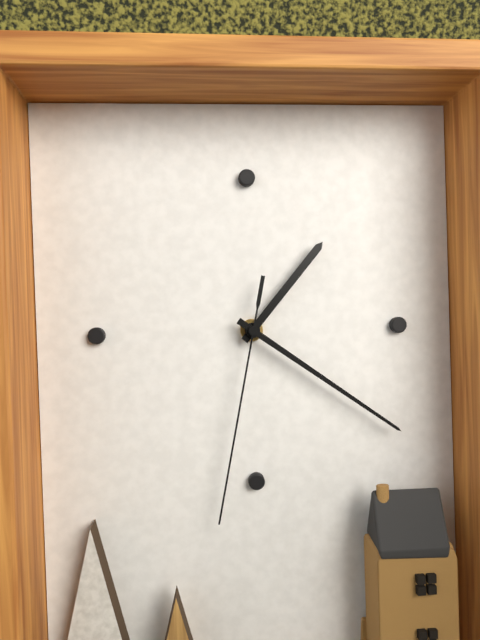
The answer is 1:21:32
